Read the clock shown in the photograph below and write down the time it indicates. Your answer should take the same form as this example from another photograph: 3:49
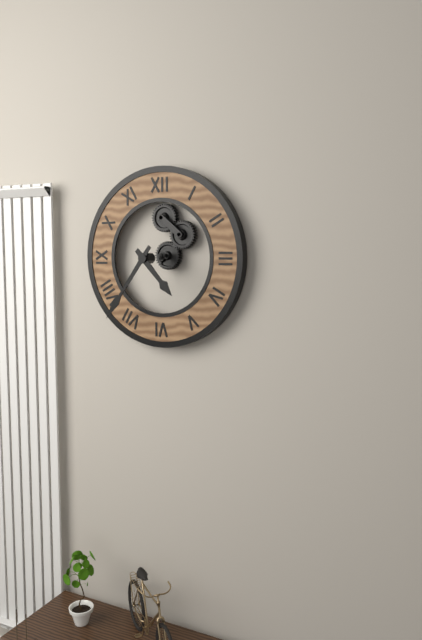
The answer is 4:36
